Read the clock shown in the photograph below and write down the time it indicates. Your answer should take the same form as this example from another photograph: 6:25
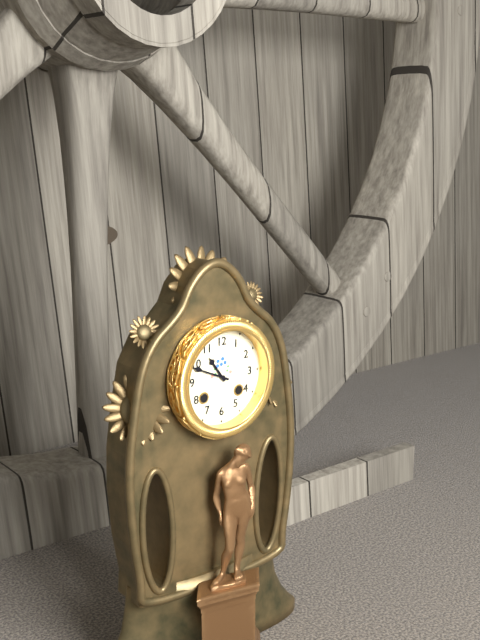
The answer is 10:49
